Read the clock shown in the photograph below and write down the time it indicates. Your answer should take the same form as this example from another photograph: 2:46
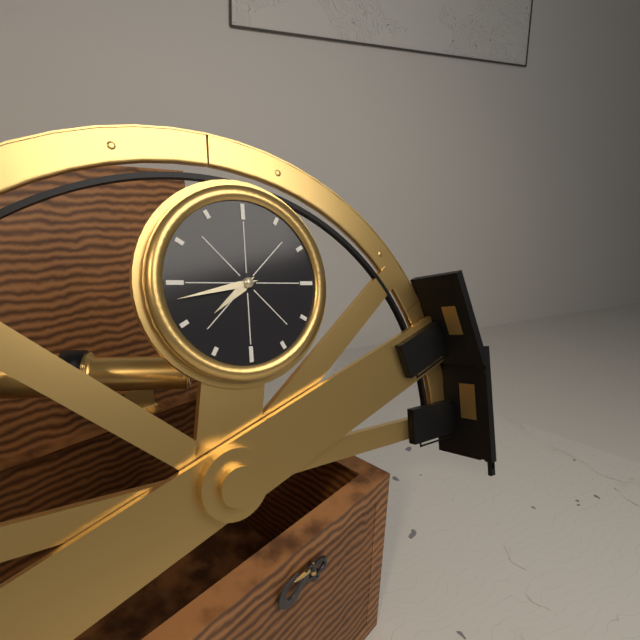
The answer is 7:43
